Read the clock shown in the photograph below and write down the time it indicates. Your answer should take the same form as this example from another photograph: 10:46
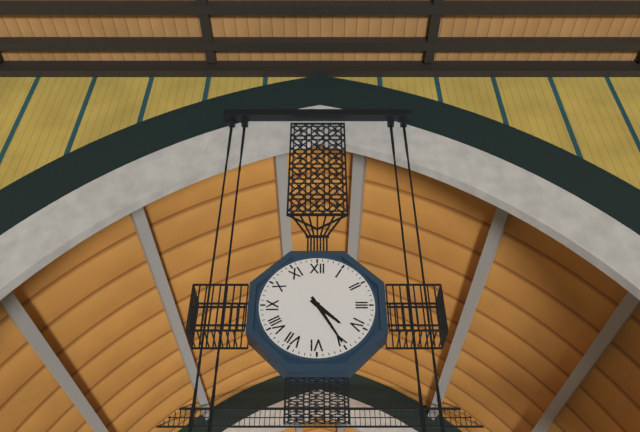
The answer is 4:25
